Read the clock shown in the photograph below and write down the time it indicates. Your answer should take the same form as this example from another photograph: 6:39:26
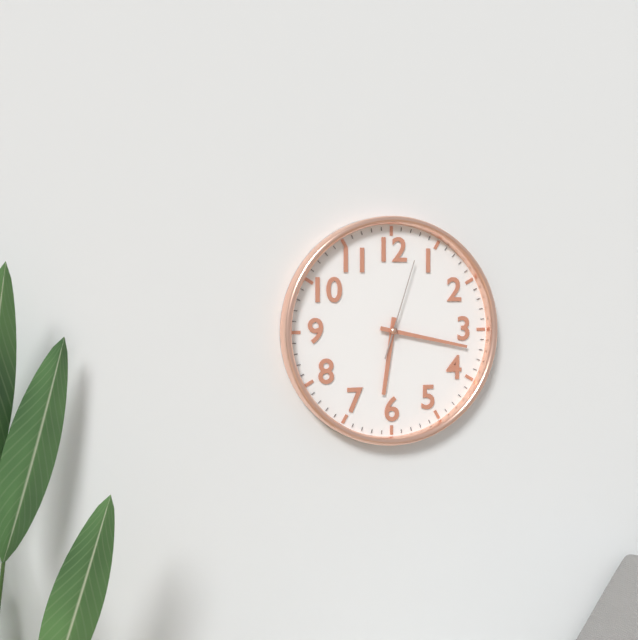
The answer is 6:17:03
